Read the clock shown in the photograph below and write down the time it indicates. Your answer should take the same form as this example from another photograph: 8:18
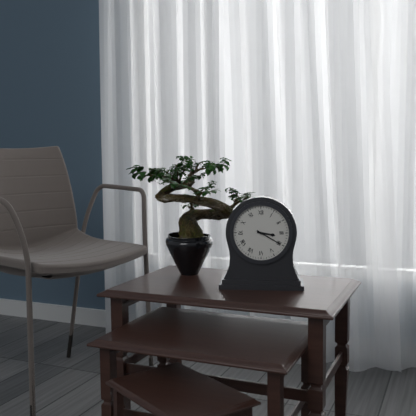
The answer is 3:20
